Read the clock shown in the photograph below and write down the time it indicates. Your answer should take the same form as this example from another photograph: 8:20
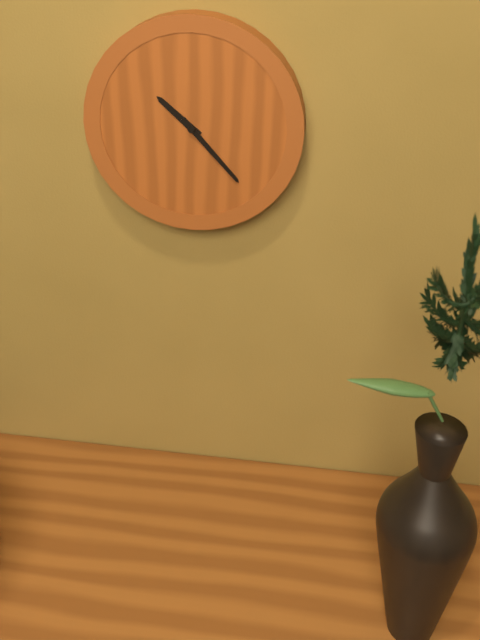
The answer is 10:23
